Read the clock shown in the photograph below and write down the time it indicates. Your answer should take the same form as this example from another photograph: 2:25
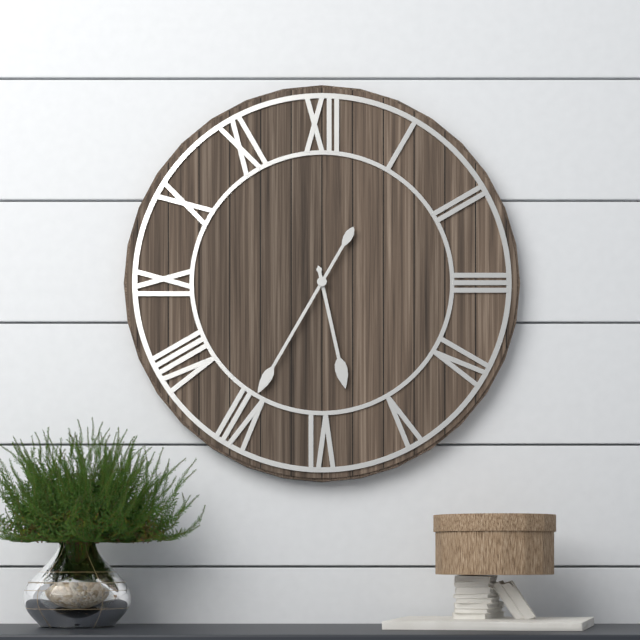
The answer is 5:35
